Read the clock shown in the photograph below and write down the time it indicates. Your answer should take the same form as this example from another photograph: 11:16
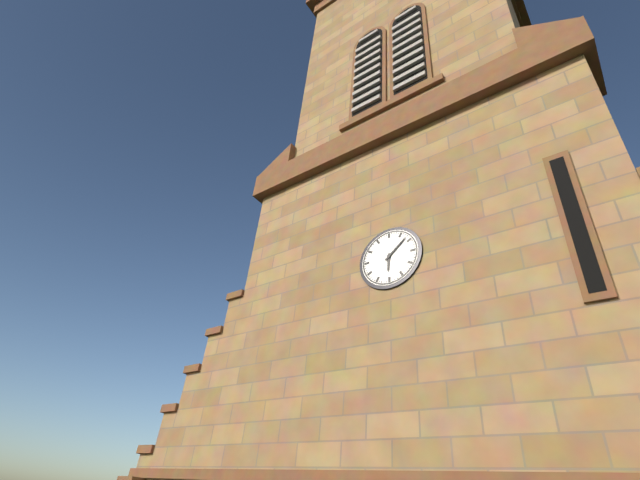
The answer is 6:08
